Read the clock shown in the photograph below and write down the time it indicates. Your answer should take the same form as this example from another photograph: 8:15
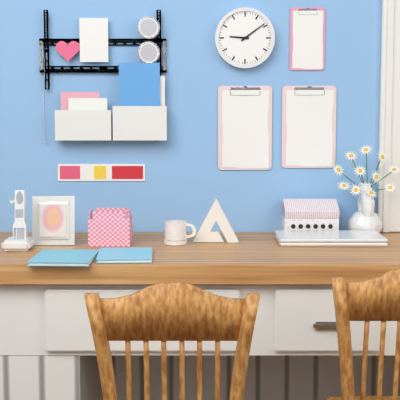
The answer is 9:09
